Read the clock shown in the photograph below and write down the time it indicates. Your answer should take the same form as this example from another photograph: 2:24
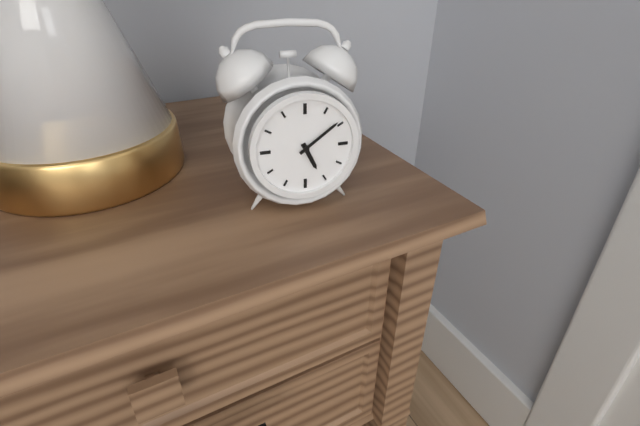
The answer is 5:09
